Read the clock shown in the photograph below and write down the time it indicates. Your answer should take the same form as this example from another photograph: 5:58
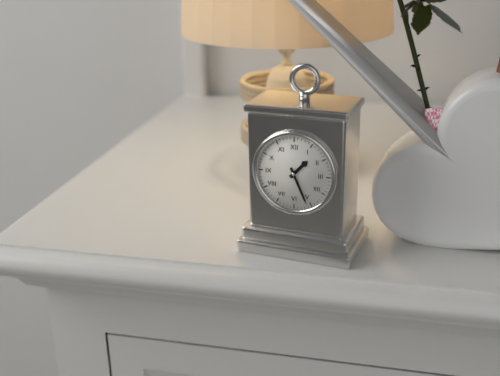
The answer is 1:26
